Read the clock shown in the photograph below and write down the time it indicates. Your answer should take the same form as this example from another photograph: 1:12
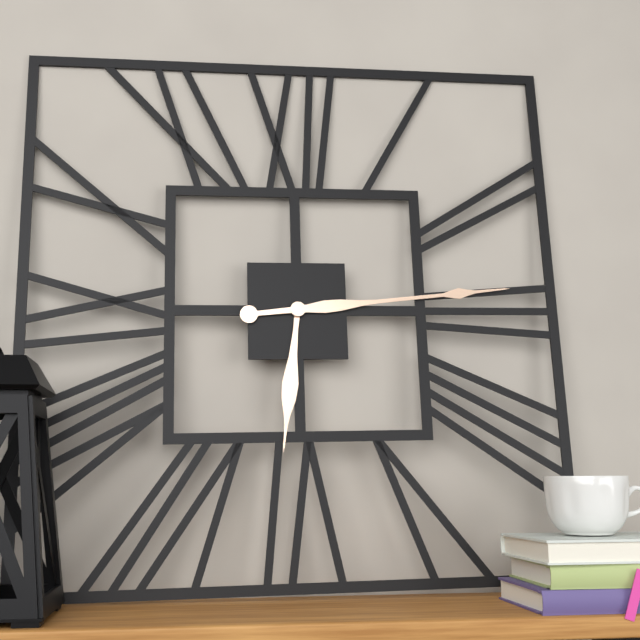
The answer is 6:14
